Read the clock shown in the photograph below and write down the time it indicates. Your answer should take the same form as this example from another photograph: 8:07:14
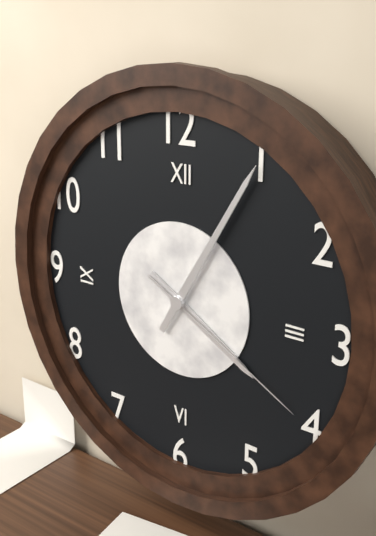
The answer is 4:05:20
